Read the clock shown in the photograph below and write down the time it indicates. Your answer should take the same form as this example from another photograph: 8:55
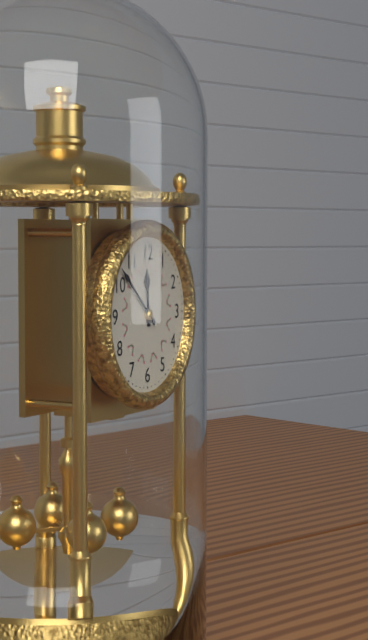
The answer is 11:52
